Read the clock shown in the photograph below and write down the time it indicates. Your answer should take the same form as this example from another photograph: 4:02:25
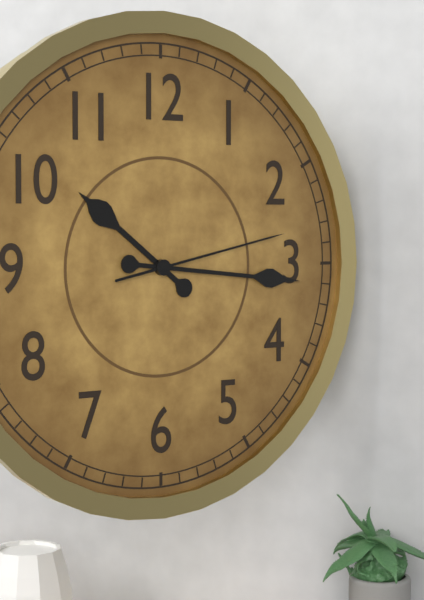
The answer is 10:16:13
